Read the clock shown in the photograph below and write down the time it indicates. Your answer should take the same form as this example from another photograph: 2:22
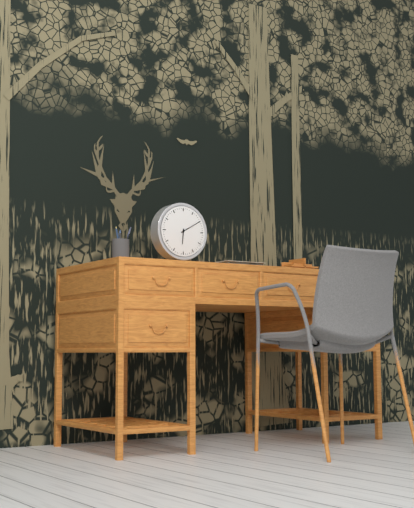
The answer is 6:10
